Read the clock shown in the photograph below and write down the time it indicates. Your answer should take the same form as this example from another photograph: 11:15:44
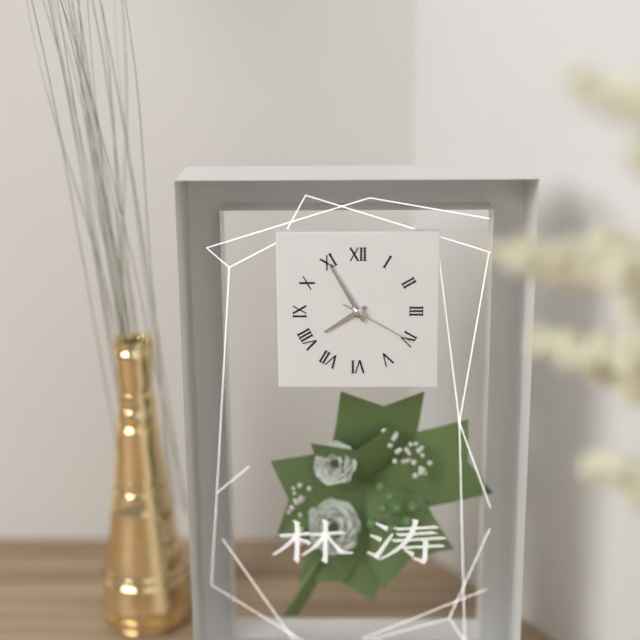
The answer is 7:55:20
